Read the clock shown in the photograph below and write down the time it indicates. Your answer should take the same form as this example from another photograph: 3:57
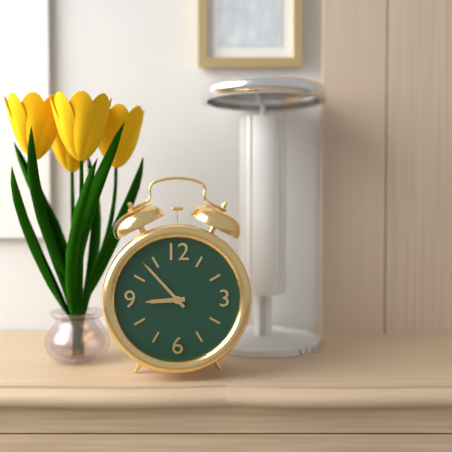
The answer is 8:53
